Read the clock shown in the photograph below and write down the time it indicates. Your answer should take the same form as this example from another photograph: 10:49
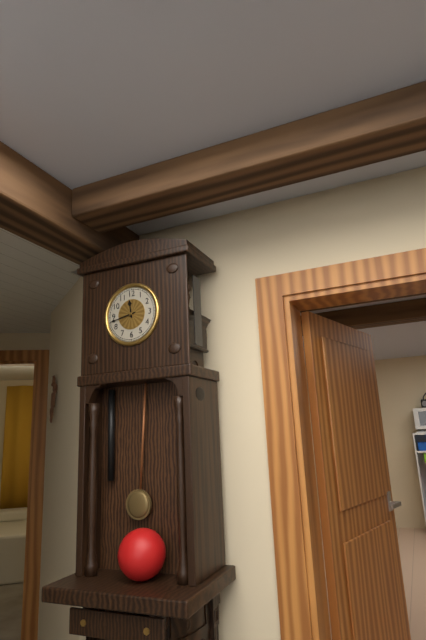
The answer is 11:43
